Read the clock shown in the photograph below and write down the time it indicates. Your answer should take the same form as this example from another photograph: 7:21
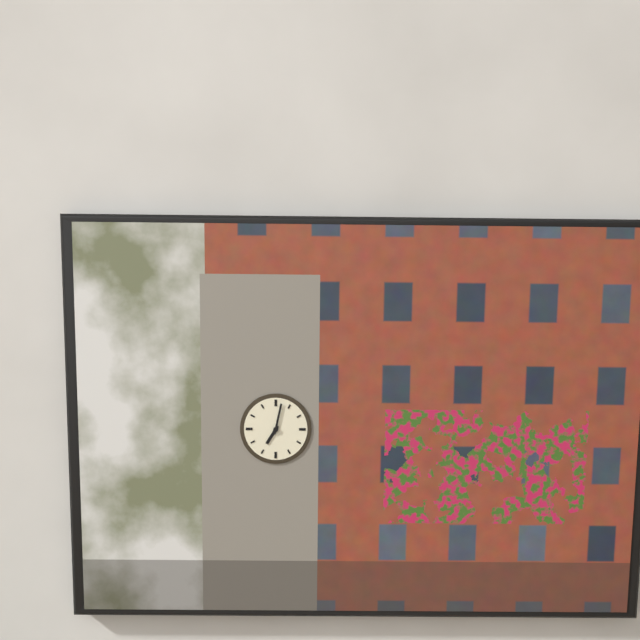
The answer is 7:02
